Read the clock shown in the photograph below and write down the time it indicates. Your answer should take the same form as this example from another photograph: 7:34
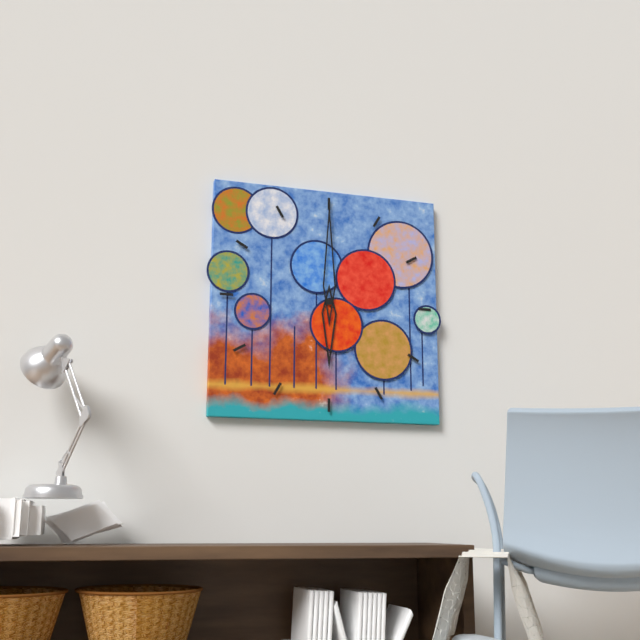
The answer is 6:00
